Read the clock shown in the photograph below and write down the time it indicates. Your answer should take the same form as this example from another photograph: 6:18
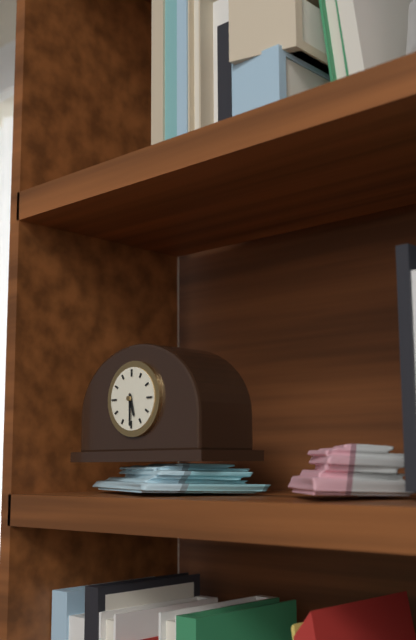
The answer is 5:30
